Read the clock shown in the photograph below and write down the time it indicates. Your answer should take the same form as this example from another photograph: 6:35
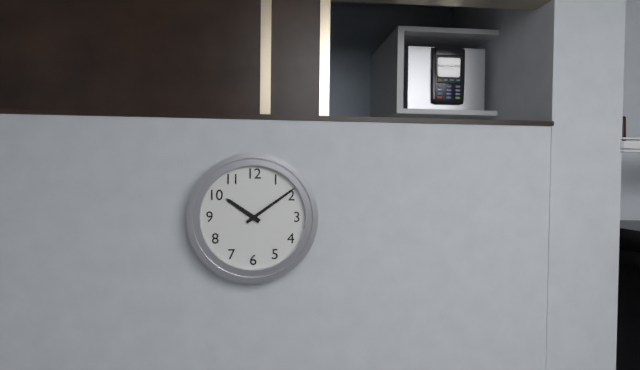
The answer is 10:09
